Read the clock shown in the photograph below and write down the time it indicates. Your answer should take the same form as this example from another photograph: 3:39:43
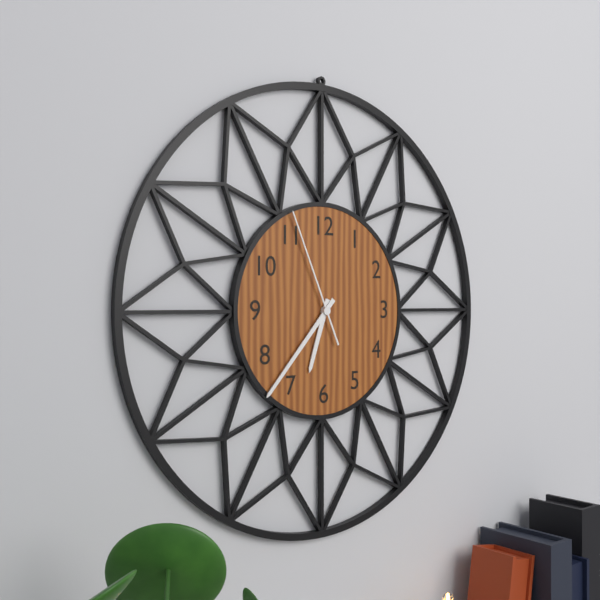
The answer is 6:37:56
